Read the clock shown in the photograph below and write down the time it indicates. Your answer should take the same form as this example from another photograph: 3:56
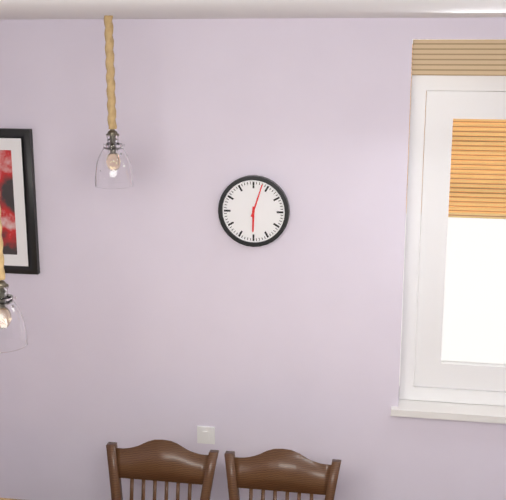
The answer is 6:03
